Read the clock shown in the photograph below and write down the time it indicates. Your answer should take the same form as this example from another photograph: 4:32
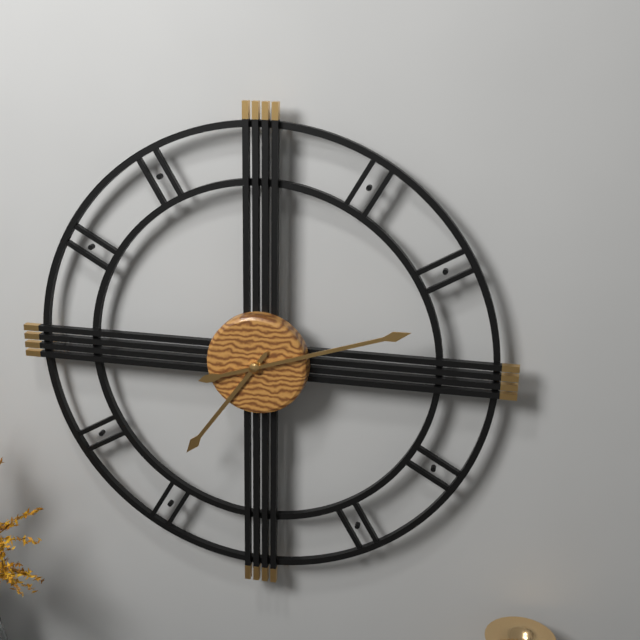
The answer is 7:12
